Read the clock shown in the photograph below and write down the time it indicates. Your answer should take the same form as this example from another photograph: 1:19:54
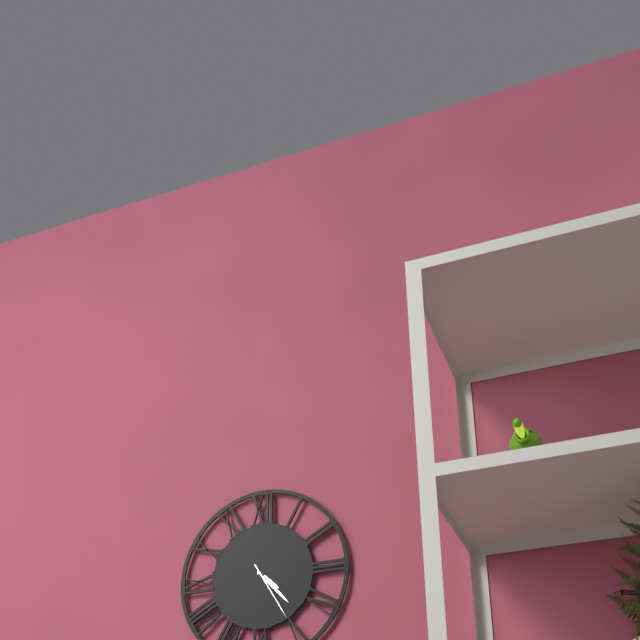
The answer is 4:23:25
